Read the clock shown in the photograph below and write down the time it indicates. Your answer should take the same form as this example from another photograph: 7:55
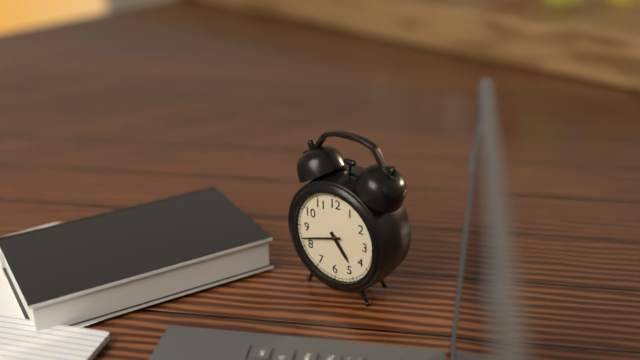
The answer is 4:42
